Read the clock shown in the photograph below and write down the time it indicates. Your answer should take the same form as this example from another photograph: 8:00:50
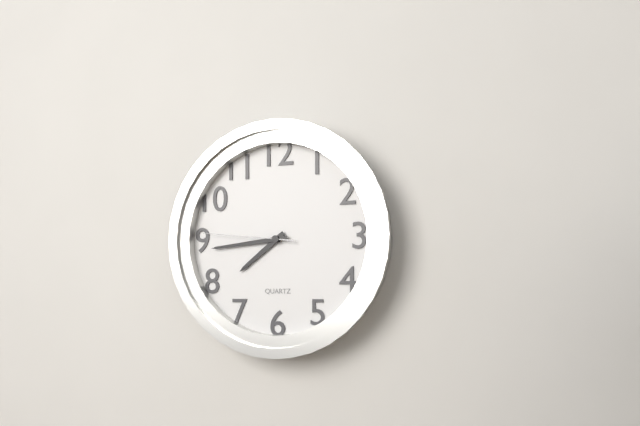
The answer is 7:44:46
